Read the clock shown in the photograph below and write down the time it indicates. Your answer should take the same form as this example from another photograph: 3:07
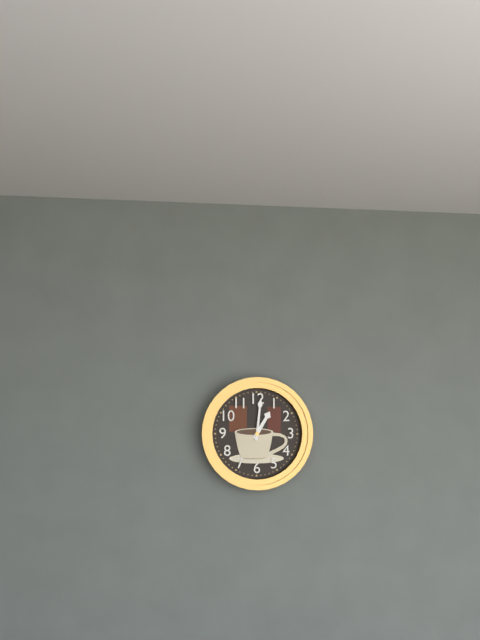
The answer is 1:01
